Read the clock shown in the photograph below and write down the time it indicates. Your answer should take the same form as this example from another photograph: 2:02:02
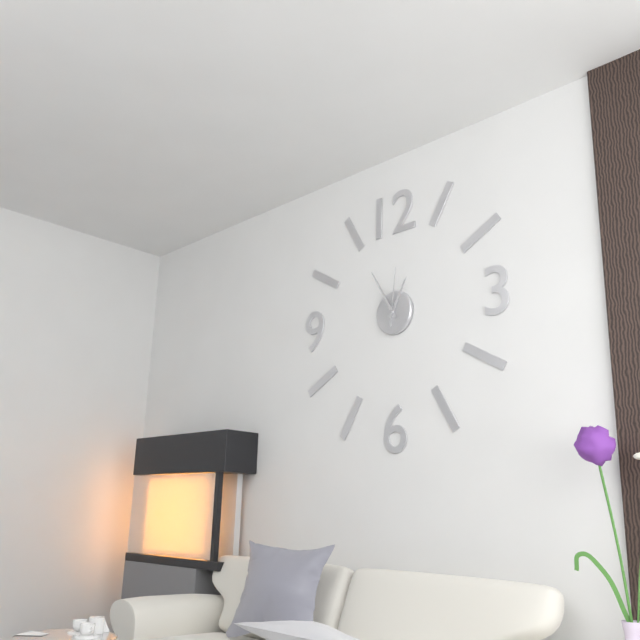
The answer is 12:55:01
